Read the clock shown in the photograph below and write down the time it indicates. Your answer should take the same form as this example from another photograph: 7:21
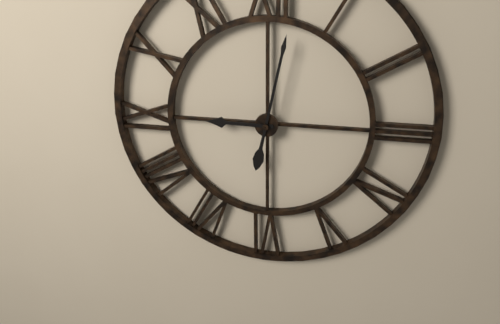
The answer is 9:02
